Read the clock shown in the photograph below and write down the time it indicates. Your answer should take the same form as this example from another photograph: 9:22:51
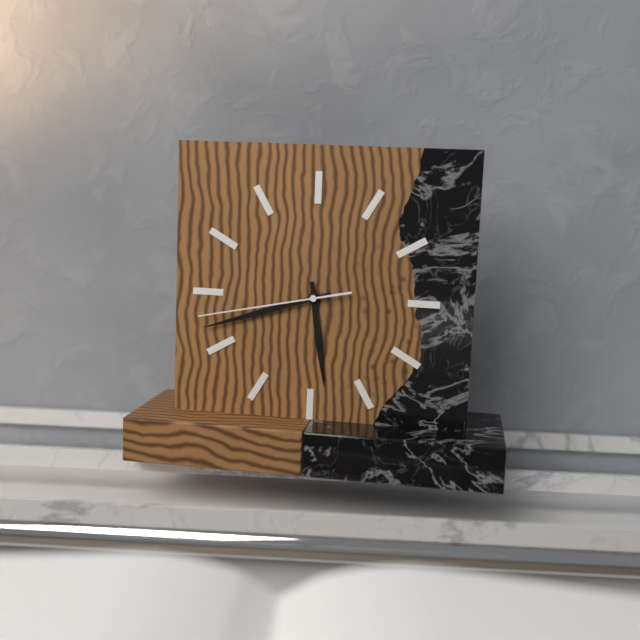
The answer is 5:42:43
